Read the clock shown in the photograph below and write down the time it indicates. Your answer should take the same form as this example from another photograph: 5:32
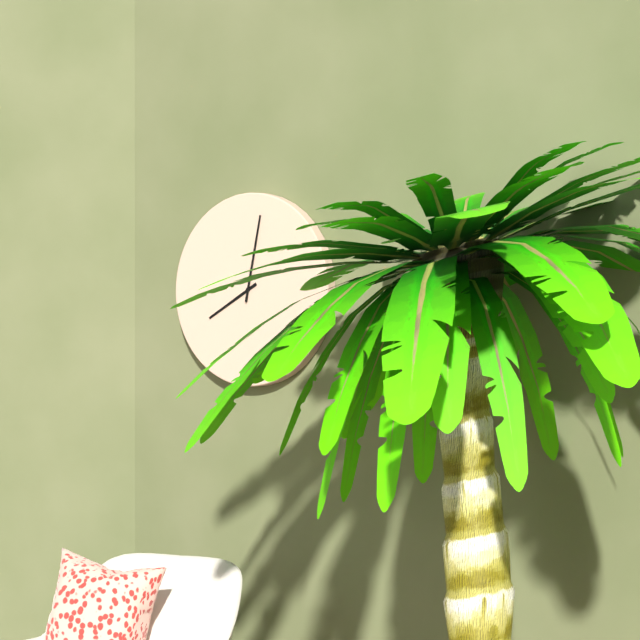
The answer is 8:02
